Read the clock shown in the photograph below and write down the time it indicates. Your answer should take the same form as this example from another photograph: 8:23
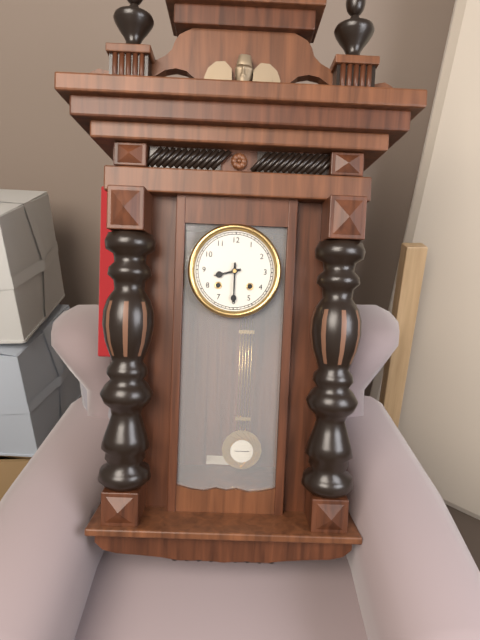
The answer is 8:30
